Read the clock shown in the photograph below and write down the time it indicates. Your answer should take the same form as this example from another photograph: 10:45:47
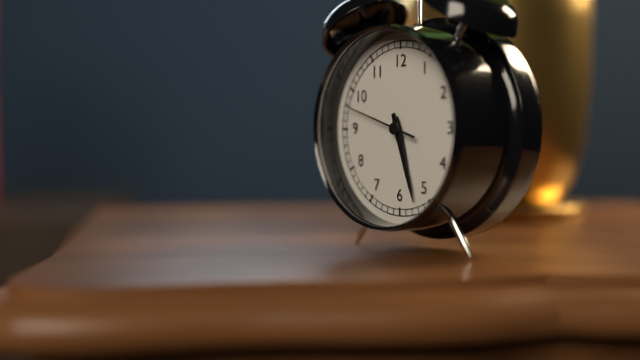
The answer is 5:27:48
